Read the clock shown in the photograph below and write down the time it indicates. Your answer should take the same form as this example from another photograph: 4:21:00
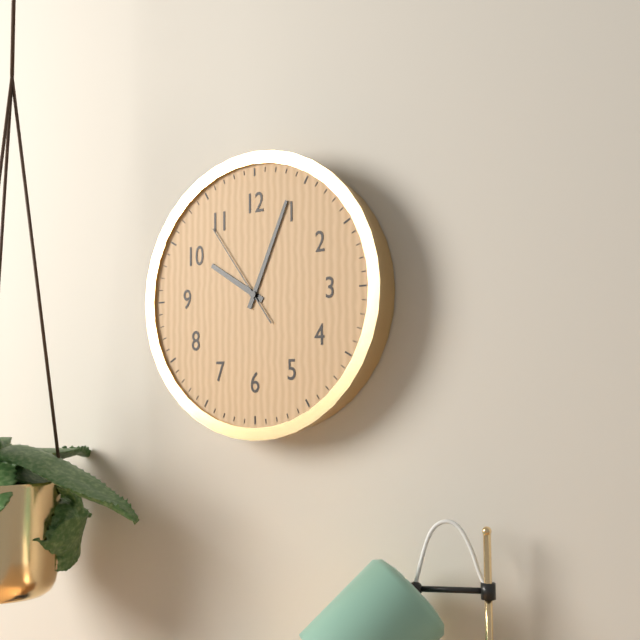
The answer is 10:04:54
